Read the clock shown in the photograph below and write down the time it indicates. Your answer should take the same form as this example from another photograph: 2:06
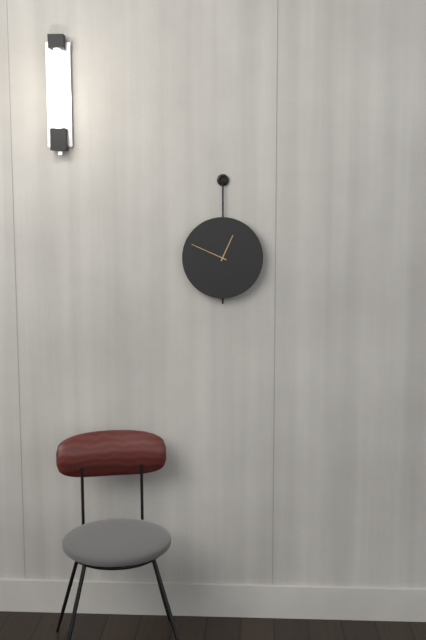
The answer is 12:49
